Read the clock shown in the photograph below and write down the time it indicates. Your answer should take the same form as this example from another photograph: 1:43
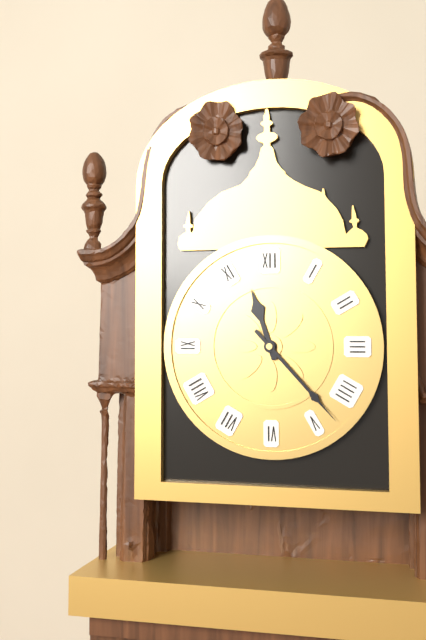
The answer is 11:23
